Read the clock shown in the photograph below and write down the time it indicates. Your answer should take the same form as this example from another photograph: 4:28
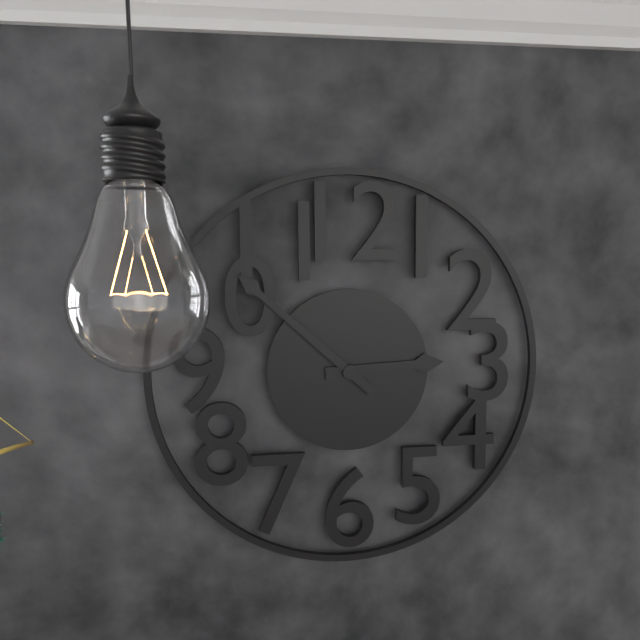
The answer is 2:52
